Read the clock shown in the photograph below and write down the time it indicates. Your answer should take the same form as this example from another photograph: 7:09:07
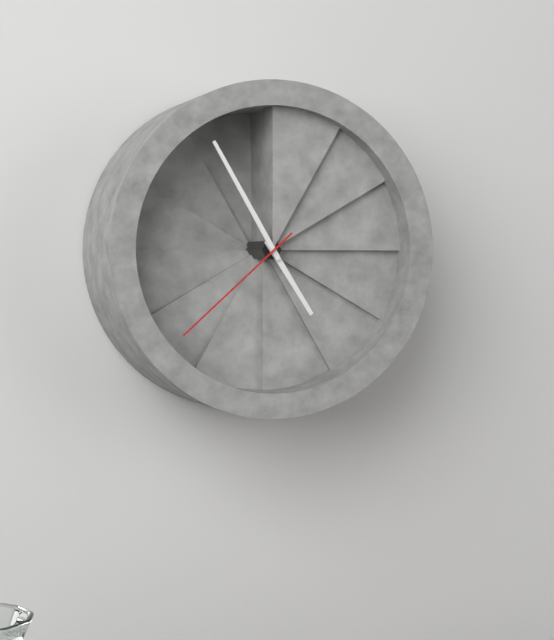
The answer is 4:55:38
